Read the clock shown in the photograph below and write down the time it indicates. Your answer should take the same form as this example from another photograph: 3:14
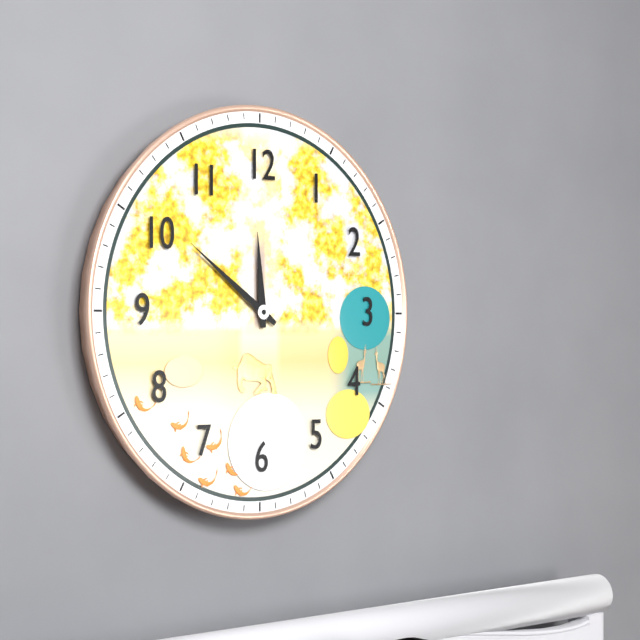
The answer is 11:51
